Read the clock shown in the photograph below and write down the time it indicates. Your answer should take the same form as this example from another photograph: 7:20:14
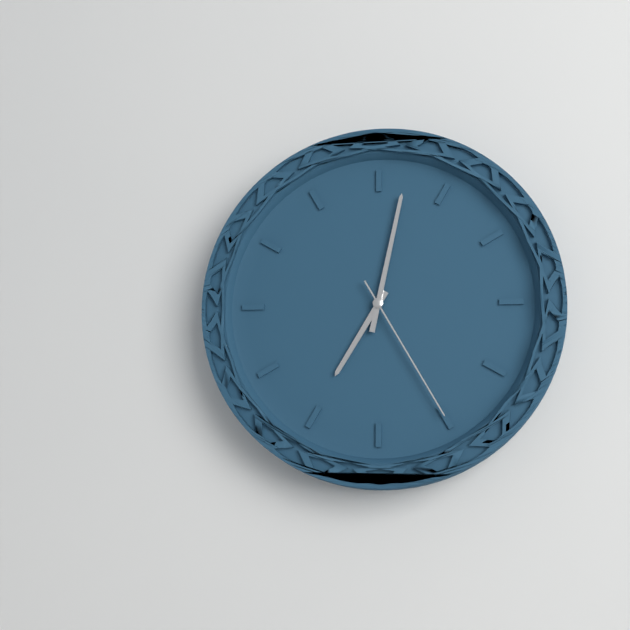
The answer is 7:02:25
